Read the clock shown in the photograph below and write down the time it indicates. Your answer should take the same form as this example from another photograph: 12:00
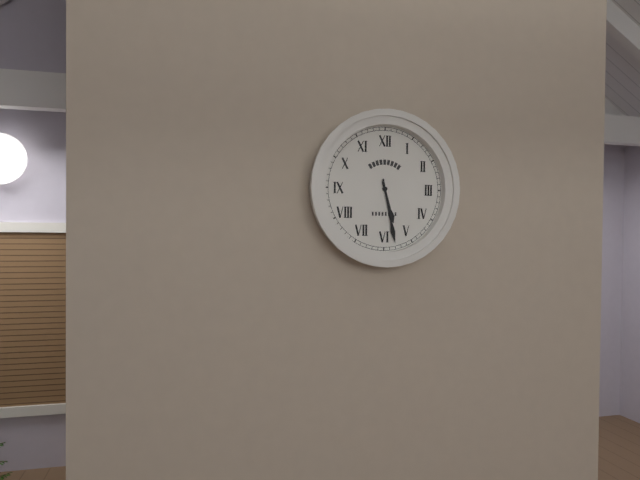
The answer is 5:28
